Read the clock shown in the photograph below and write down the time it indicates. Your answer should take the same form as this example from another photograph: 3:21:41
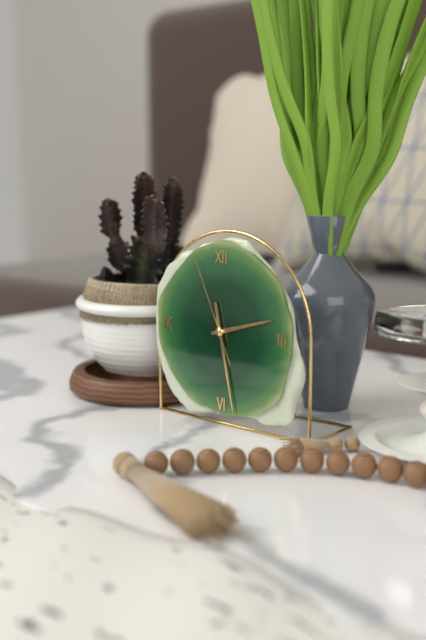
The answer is 2:28:56
